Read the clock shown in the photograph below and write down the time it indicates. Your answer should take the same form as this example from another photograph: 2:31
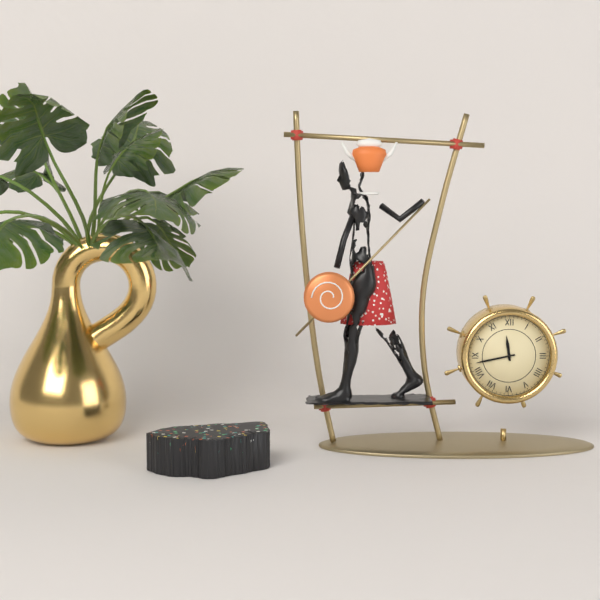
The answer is 11:43
